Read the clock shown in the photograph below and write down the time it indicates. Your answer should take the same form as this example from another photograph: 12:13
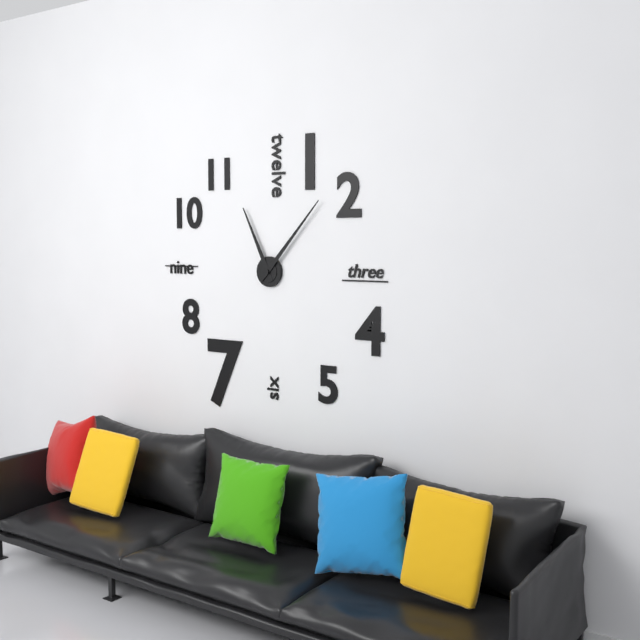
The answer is 11:07
